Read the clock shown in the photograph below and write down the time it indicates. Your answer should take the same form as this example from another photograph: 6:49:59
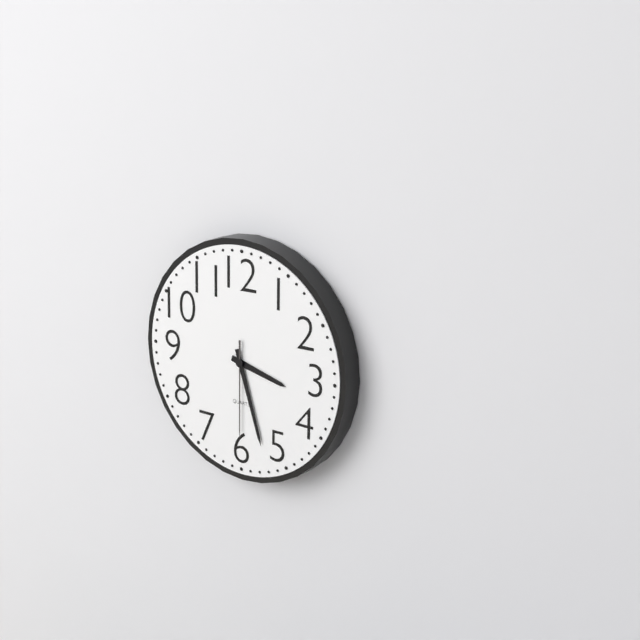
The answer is 3:27:30
